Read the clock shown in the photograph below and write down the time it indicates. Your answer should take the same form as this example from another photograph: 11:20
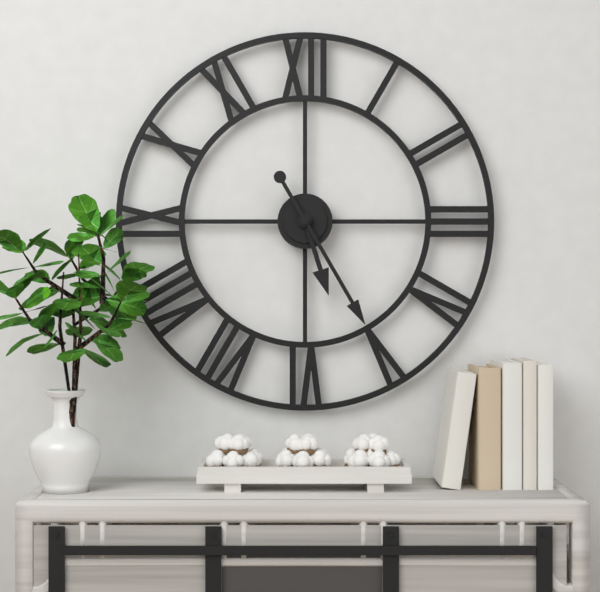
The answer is 5:25
